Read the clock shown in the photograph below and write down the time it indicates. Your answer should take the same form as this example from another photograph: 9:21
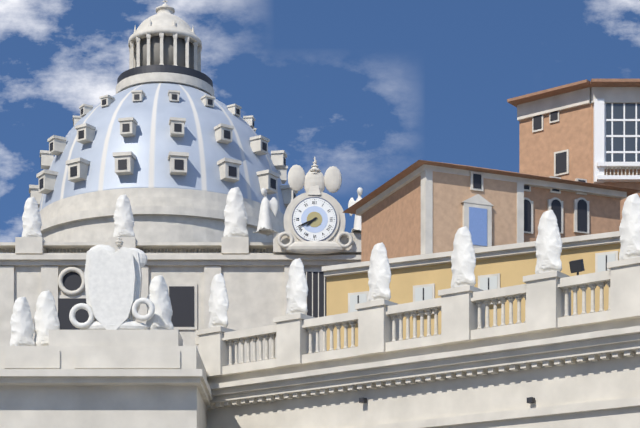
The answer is 7:41
